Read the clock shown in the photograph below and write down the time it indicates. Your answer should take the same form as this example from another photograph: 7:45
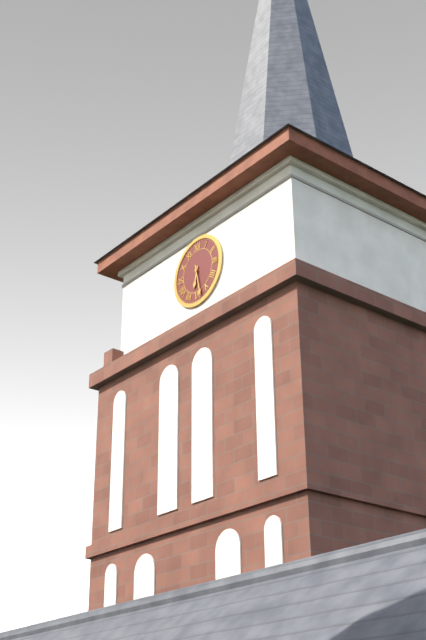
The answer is 6:28
